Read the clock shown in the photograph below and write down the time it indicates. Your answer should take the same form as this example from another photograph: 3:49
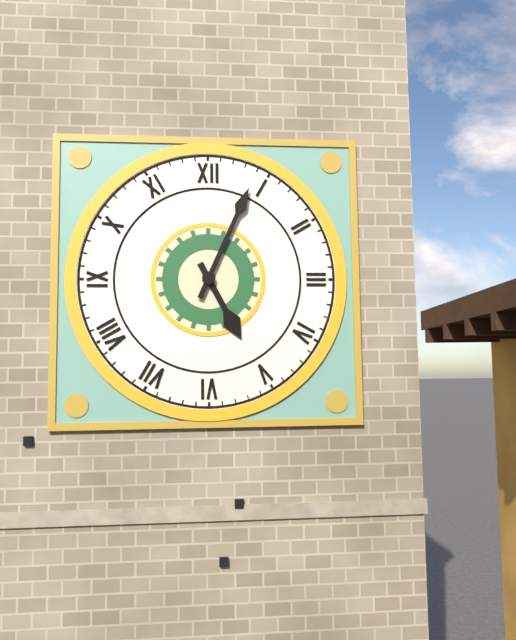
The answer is 5:04
